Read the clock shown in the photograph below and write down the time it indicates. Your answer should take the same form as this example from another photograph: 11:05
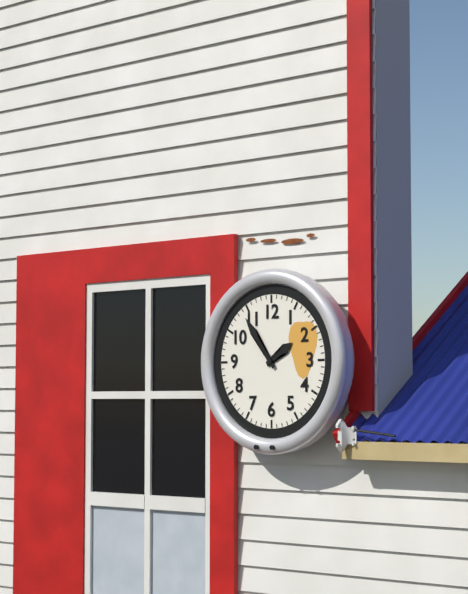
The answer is 1:54
